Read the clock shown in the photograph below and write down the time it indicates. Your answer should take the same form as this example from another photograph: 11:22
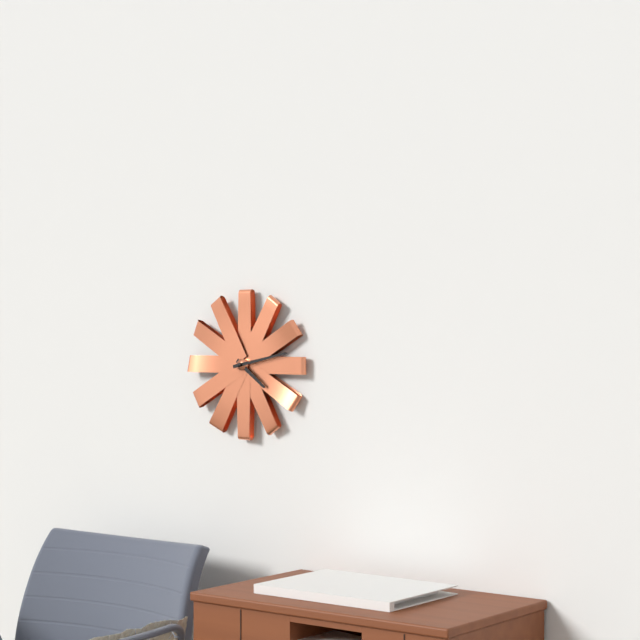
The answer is 4:13
